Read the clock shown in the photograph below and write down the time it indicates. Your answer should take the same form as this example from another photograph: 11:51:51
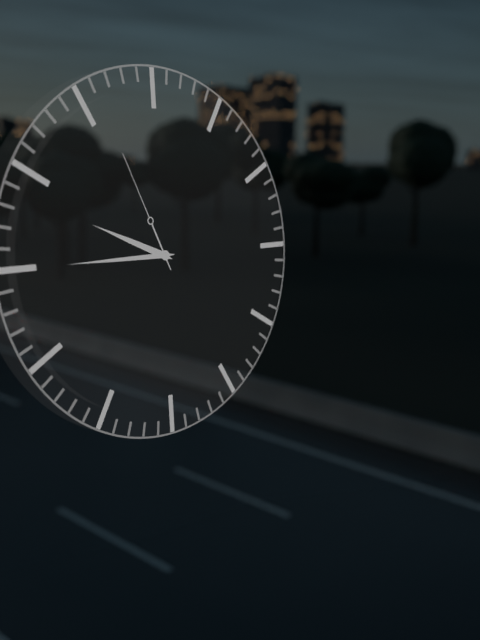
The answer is 9:45:56
